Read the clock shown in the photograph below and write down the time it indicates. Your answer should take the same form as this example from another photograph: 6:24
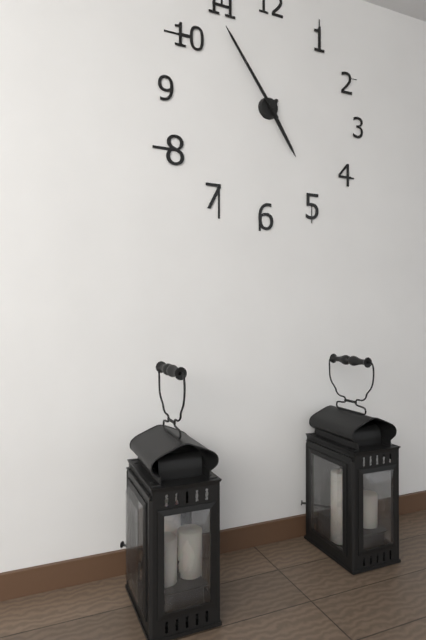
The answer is 4:54
